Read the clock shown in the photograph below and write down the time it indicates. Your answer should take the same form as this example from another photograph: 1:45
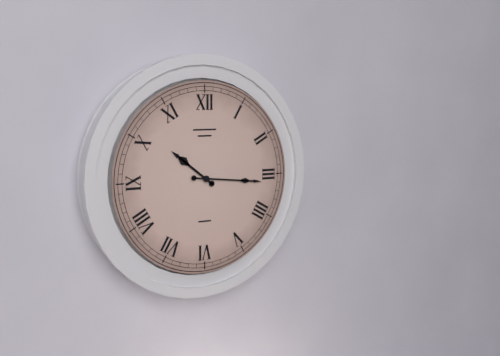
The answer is 10:16
